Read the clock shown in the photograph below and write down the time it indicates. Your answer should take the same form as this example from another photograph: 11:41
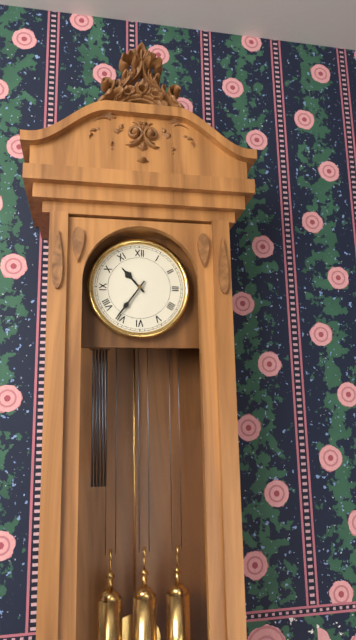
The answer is 10:36
